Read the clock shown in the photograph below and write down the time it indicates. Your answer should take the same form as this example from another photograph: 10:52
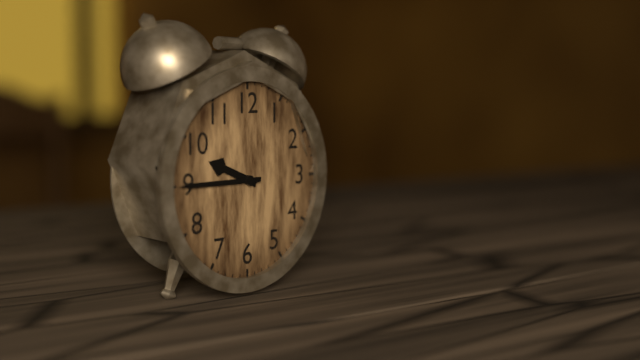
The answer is 9:45
